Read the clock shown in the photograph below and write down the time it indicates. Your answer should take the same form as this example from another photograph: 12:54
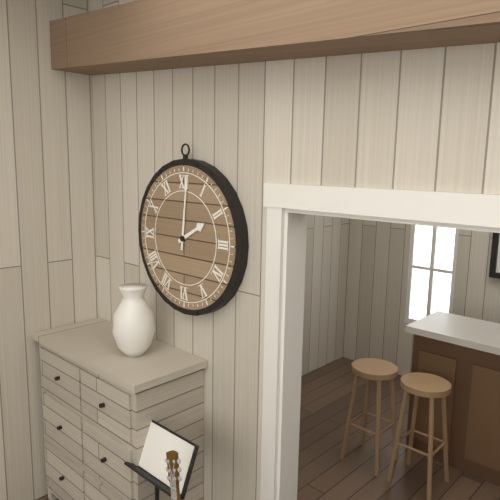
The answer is 2:01
